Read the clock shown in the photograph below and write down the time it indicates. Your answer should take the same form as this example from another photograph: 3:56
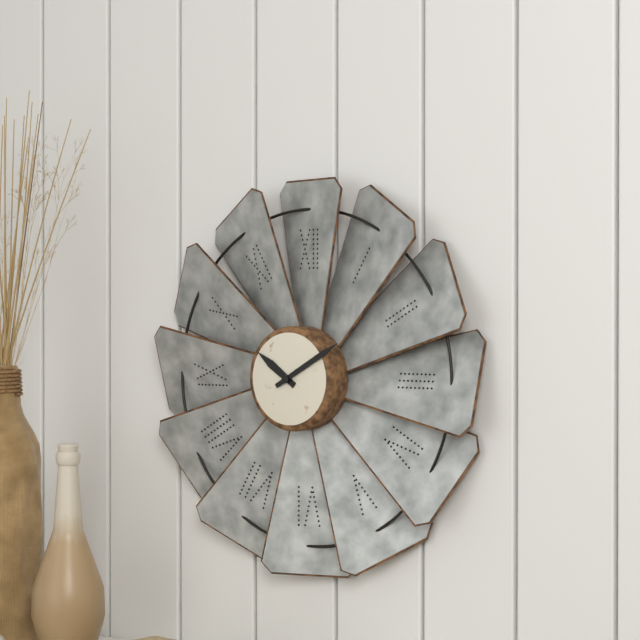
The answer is 10:10
